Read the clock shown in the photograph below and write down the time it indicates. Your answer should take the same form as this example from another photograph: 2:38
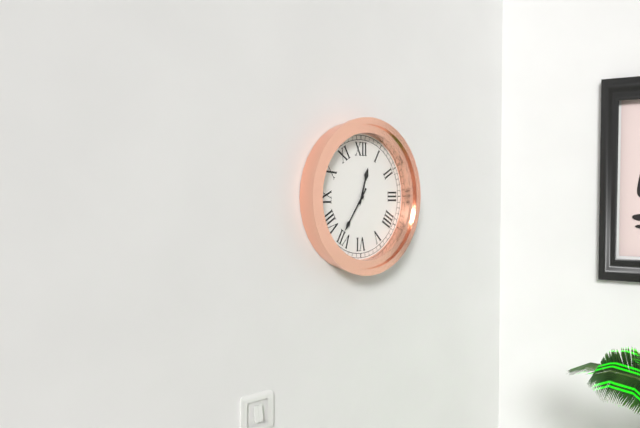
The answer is 12:36
